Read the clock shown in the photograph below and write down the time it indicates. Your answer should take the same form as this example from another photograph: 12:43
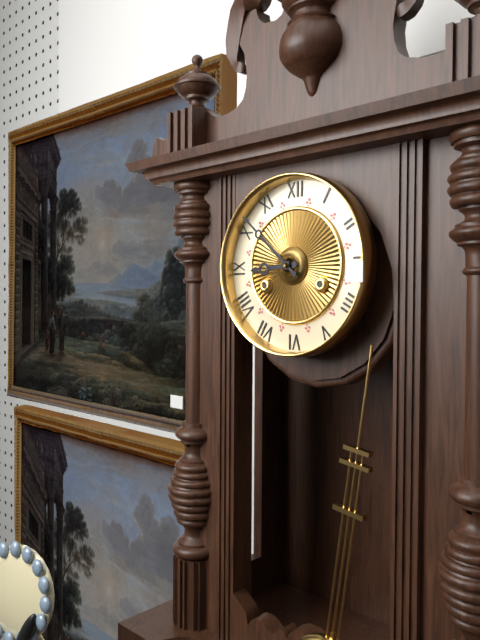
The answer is 8:52
